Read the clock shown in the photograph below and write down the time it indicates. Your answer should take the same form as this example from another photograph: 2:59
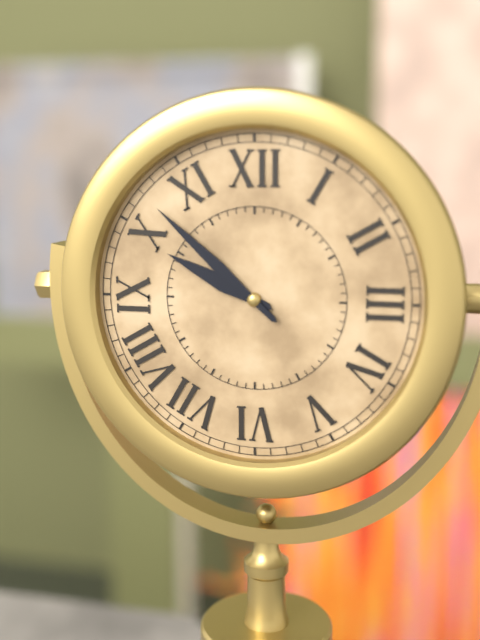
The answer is 9:52
